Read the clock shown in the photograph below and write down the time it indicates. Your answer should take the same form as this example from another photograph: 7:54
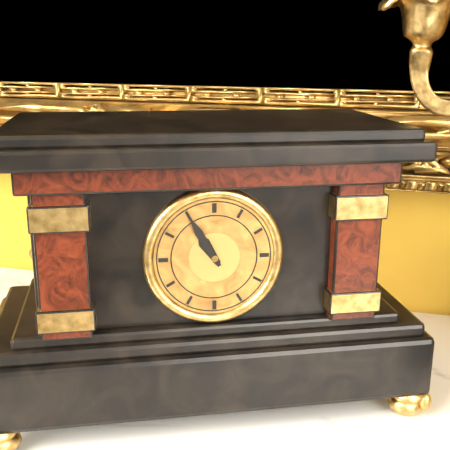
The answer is 10:55
